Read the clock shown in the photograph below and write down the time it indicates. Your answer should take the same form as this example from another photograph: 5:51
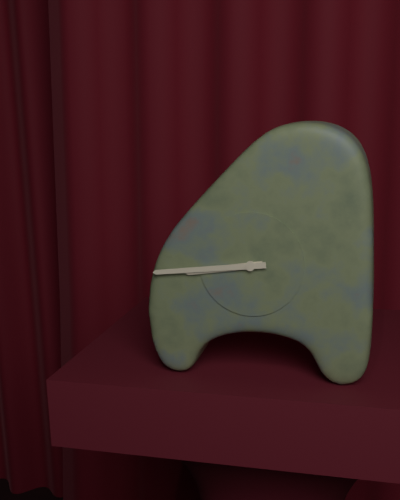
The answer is 8:44
